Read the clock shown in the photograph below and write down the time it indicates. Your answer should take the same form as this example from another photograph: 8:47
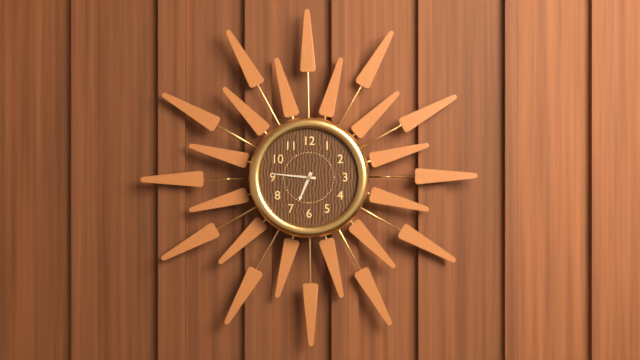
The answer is 6:46
